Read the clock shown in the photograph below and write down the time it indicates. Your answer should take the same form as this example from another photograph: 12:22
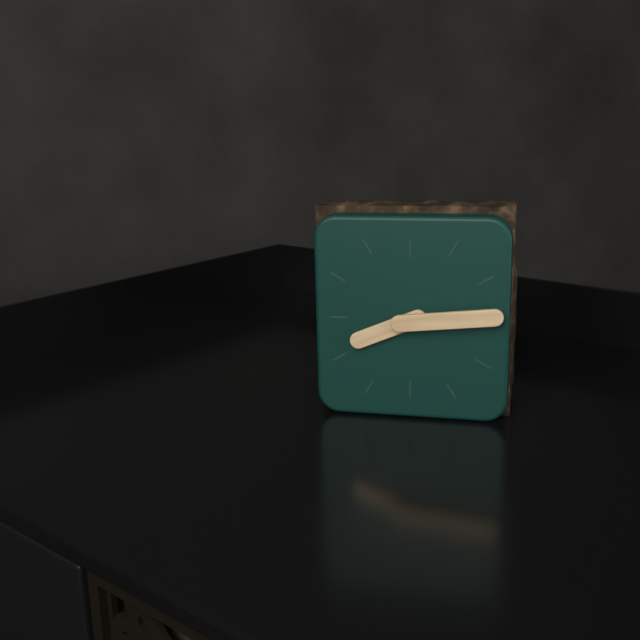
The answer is 8:14
